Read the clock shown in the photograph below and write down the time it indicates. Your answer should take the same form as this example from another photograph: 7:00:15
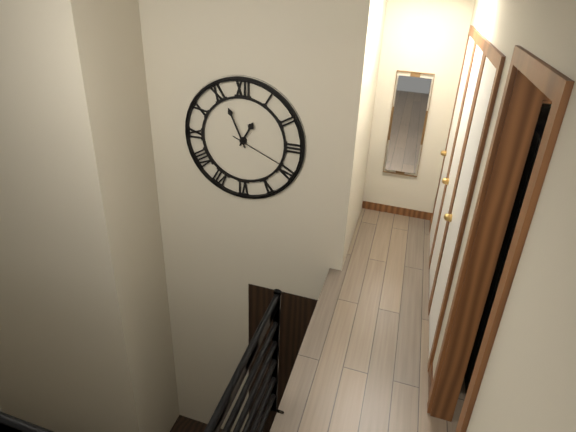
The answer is 12:56:19
